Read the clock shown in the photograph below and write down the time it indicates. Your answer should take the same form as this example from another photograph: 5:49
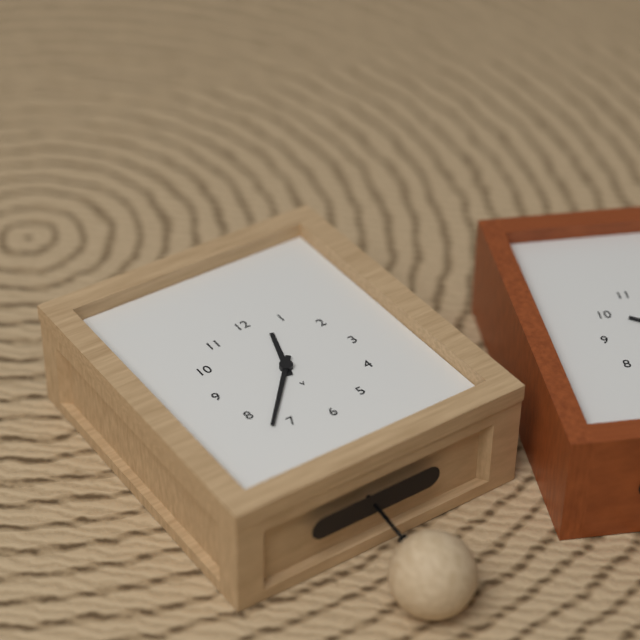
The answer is 12:37
